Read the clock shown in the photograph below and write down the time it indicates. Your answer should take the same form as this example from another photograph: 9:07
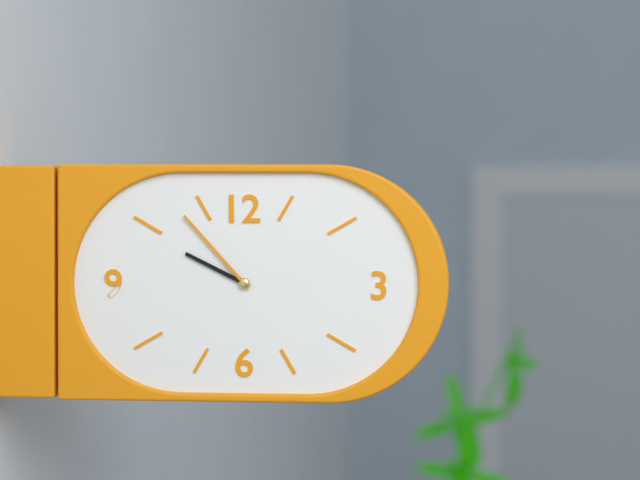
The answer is 9:53
